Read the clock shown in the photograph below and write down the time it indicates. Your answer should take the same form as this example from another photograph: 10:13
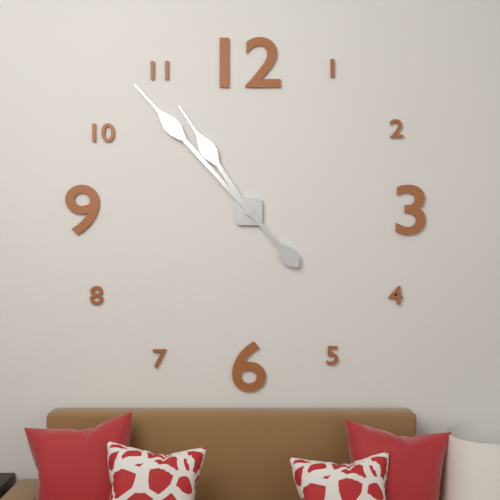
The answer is 10:53
